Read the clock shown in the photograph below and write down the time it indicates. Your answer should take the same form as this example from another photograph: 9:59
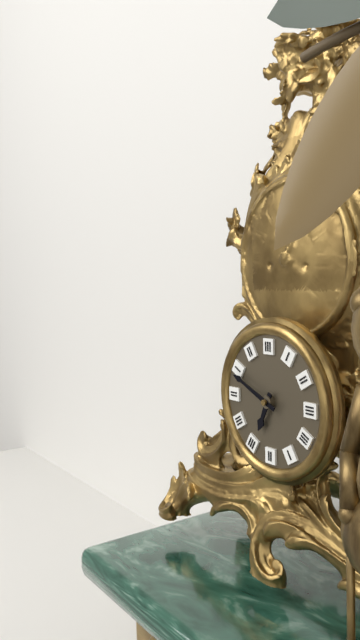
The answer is 6:49
